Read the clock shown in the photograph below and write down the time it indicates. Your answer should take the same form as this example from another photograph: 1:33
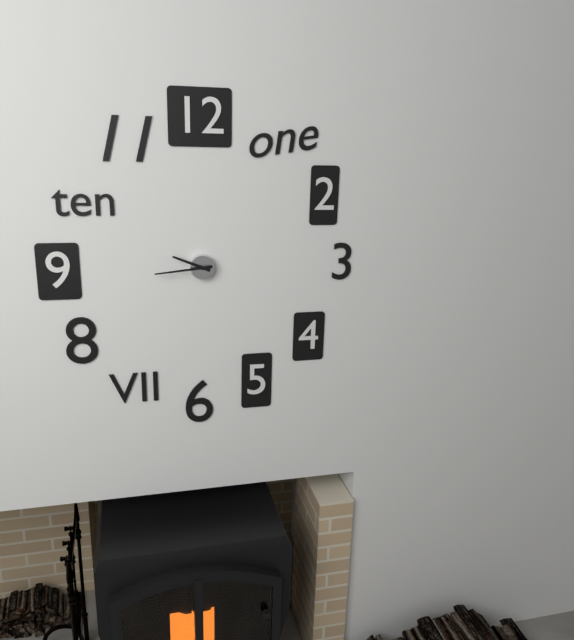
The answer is 9:44
